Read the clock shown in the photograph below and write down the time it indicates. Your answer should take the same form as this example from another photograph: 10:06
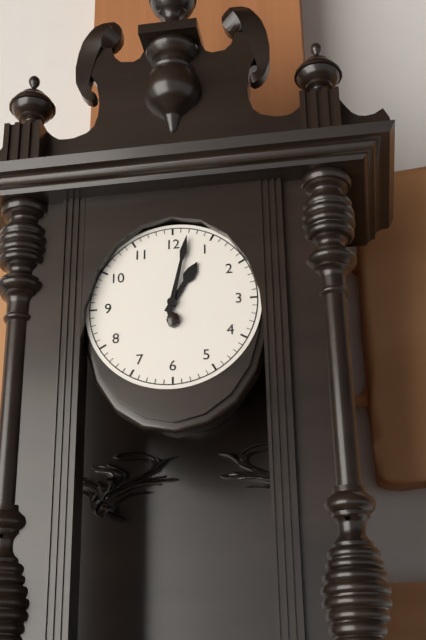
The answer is 1:02
